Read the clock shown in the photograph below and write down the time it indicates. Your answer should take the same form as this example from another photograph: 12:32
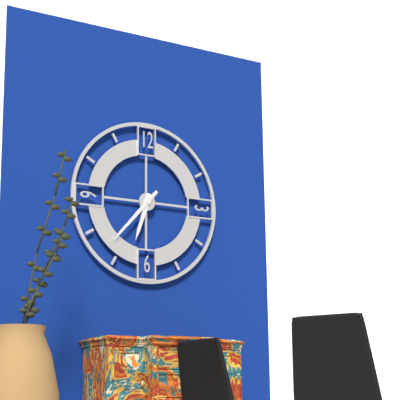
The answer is 6:37
